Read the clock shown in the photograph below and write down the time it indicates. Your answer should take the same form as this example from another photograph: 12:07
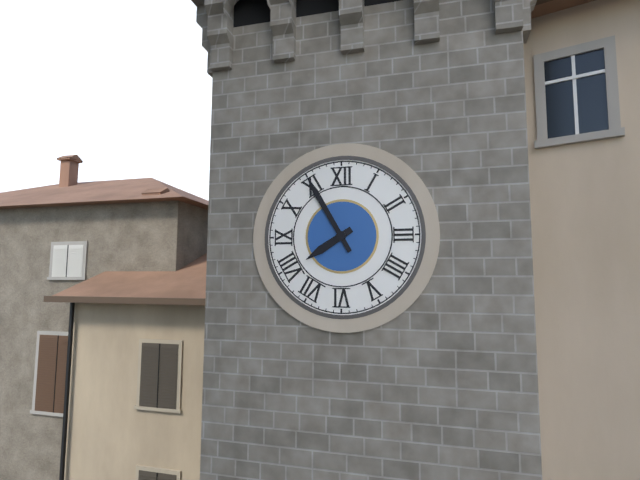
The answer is 7:55
